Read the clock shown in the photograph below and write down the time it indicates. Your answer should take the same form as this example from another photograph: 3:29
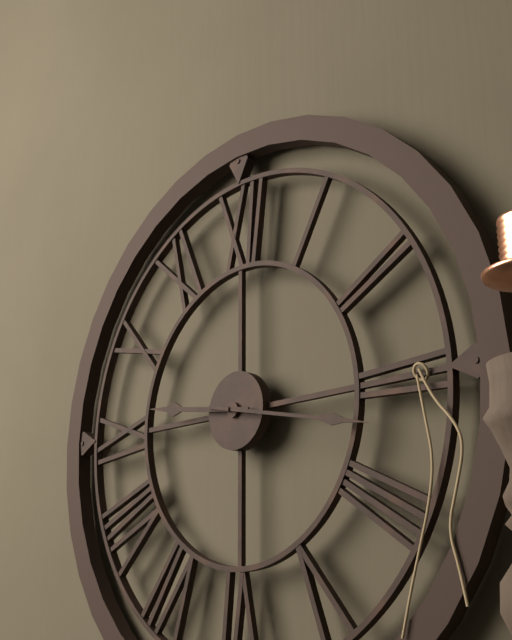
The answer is 9:17
